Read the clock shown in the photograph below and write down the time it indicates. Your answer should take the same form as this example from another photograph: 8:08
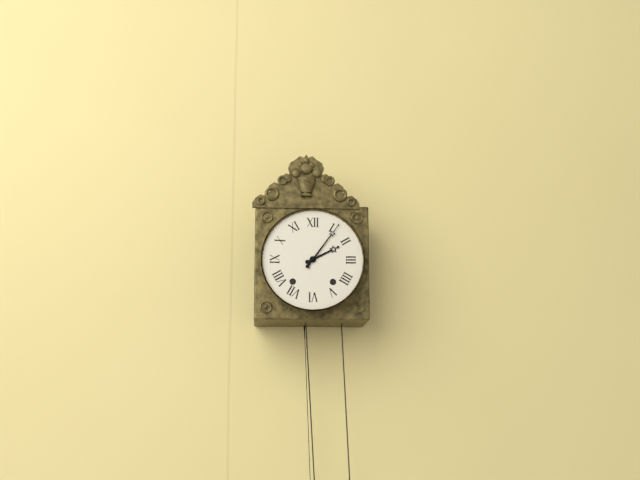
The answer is 2:06
